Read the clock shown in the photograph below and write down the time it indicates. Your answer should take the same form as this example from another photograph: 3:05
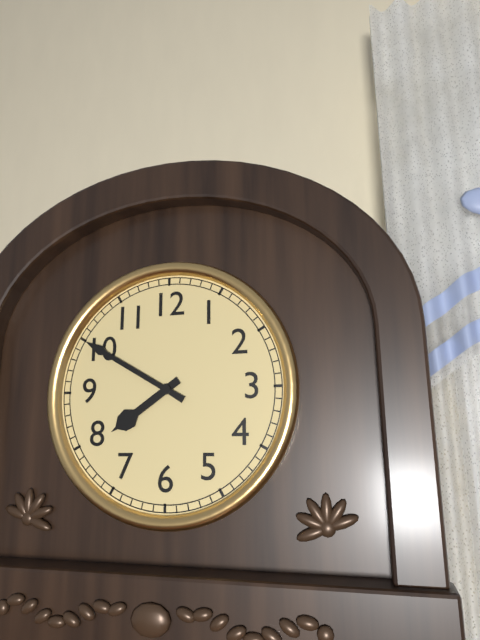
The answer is 7:50
